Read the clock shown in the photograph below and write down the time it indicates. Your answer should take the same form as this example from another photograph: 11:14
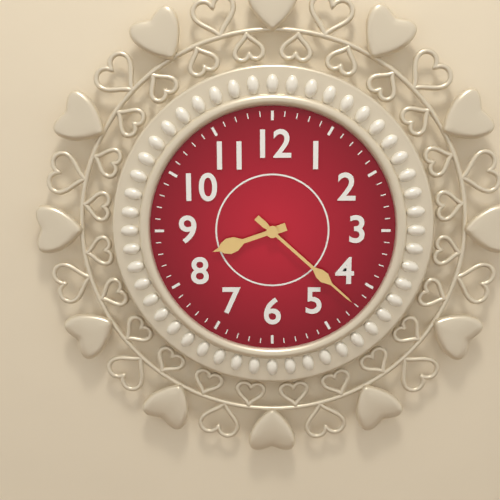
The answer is 8:22
